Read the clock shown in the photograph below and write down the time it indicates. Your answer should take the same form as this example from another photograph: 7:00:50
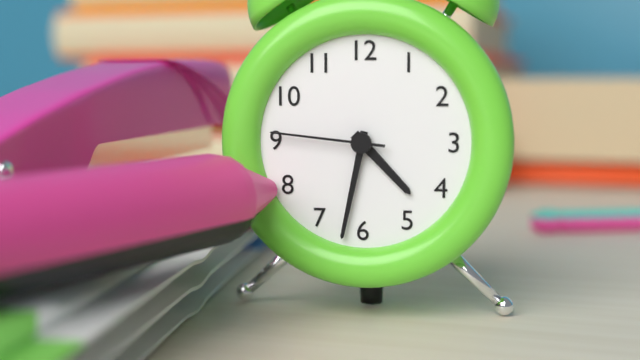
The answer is 4:32:46
